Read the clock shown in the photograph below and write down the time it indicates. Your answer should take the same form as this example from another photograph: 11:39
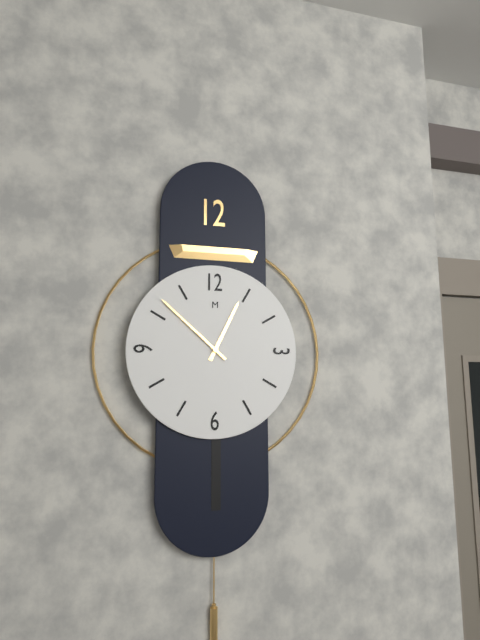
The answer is 12:52
